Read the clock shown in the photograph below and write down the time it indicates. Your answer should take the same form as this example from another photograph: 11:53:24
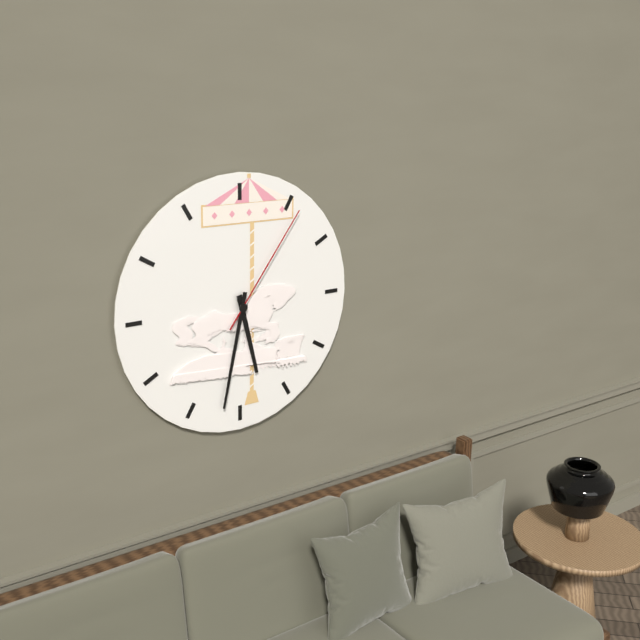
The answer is 5:32:06
